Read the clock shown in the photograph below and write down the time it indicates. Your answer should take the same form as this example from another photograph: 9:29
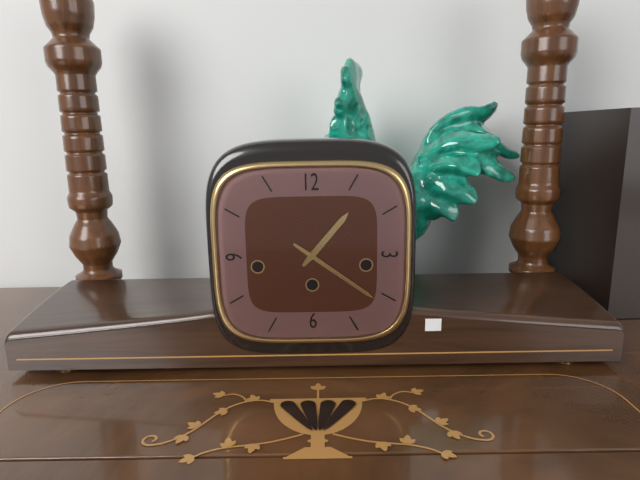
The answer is 1:21
